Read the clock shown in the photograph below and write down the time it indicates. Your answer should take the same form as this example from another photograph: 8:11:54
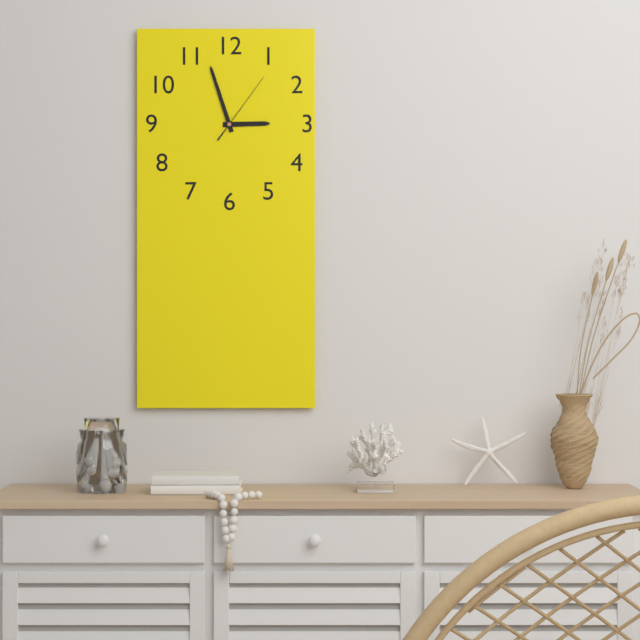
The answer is 2:57:06
